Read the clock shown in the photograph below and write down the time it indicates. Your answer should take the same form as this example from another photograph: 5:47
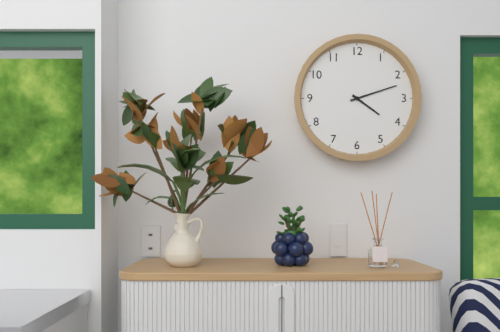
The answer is 4:12
